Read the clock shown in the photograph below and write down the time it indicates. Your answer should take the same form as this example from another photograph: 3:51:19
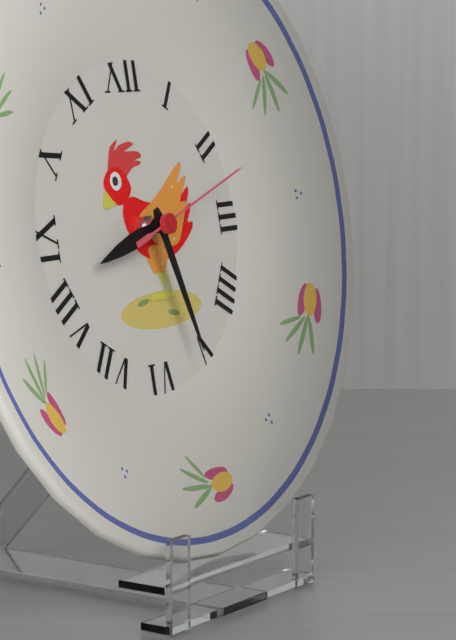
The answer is 8:27:12
